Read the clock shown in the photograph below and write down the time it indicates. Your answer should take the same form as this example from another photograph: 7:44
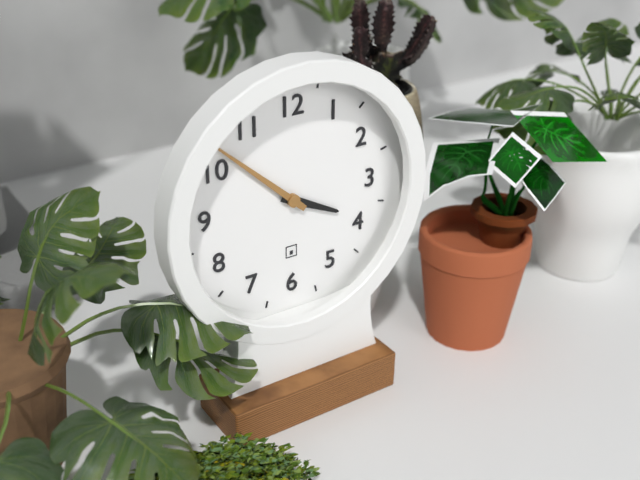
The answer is 3:52
